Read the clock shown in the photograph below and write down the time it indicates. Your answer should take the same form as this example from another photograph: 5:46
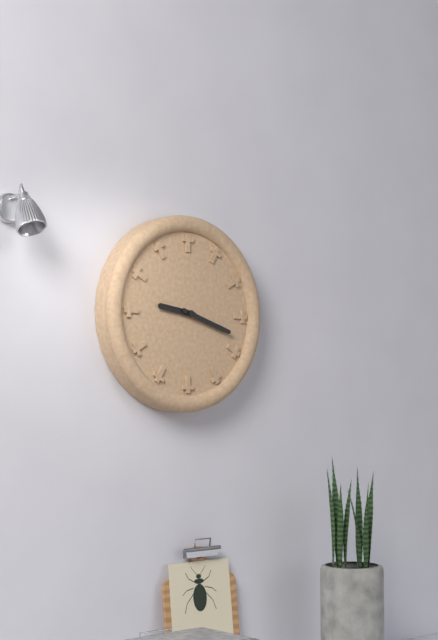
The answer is 9:18
